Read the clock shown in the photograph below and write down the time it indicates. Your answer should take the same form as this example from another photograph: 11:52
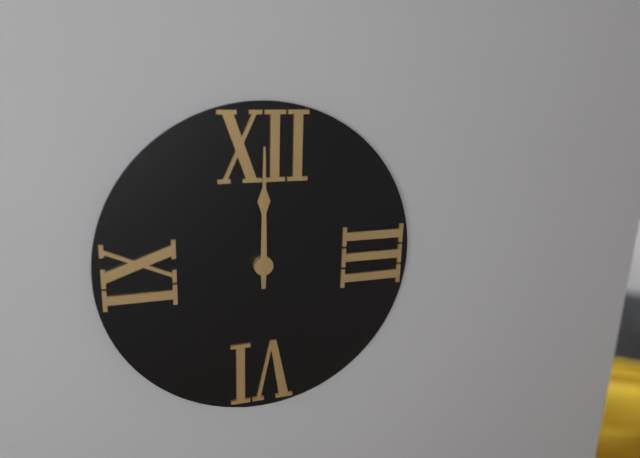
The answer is 12:00
